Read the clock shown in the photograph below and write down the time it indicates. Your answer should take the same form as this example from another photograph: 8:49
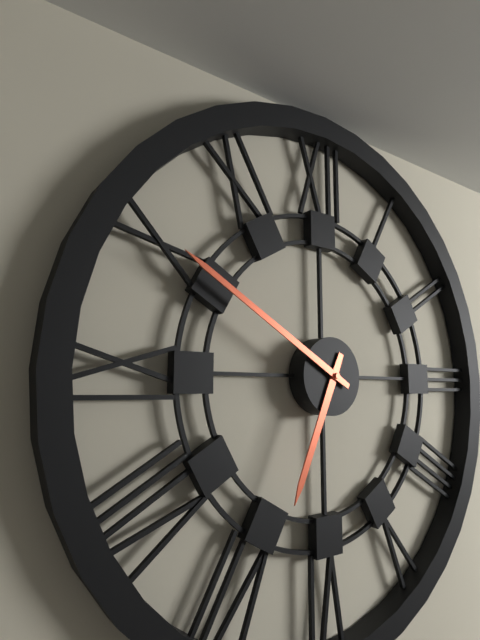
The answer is 6:50
